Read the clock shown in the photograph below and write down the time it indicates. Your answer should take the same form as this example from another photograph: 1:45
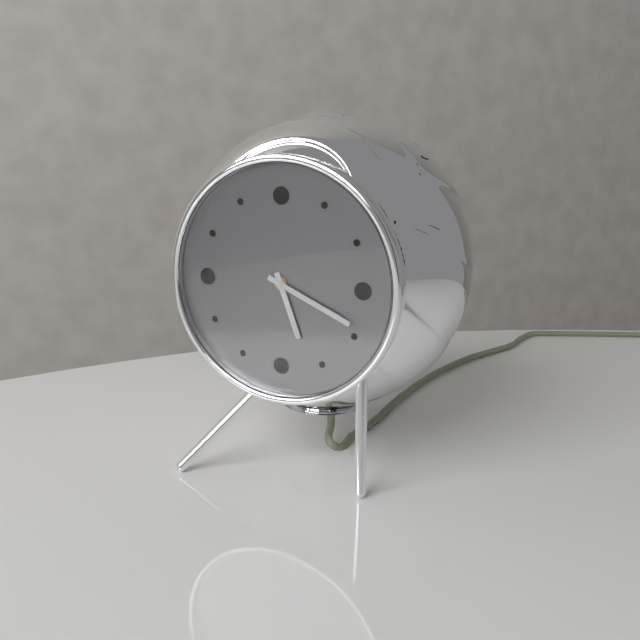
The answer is 5:19
